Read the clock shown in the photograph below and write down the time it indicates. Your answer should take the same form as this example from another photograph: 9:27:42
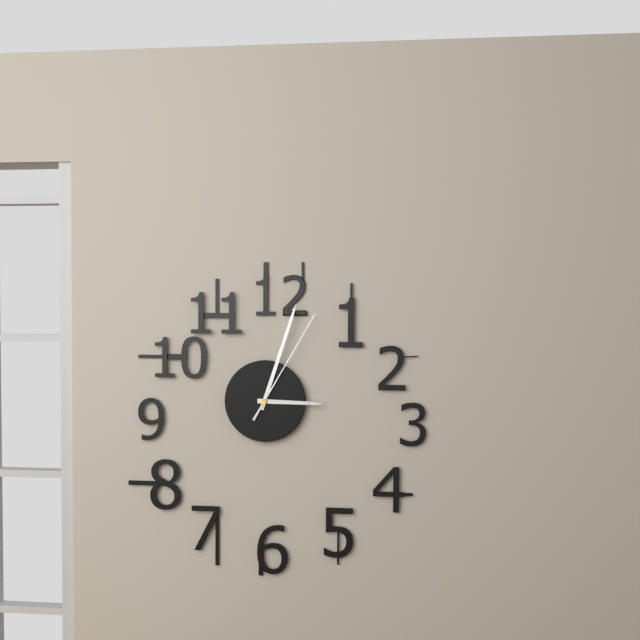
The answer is 3:03:05
